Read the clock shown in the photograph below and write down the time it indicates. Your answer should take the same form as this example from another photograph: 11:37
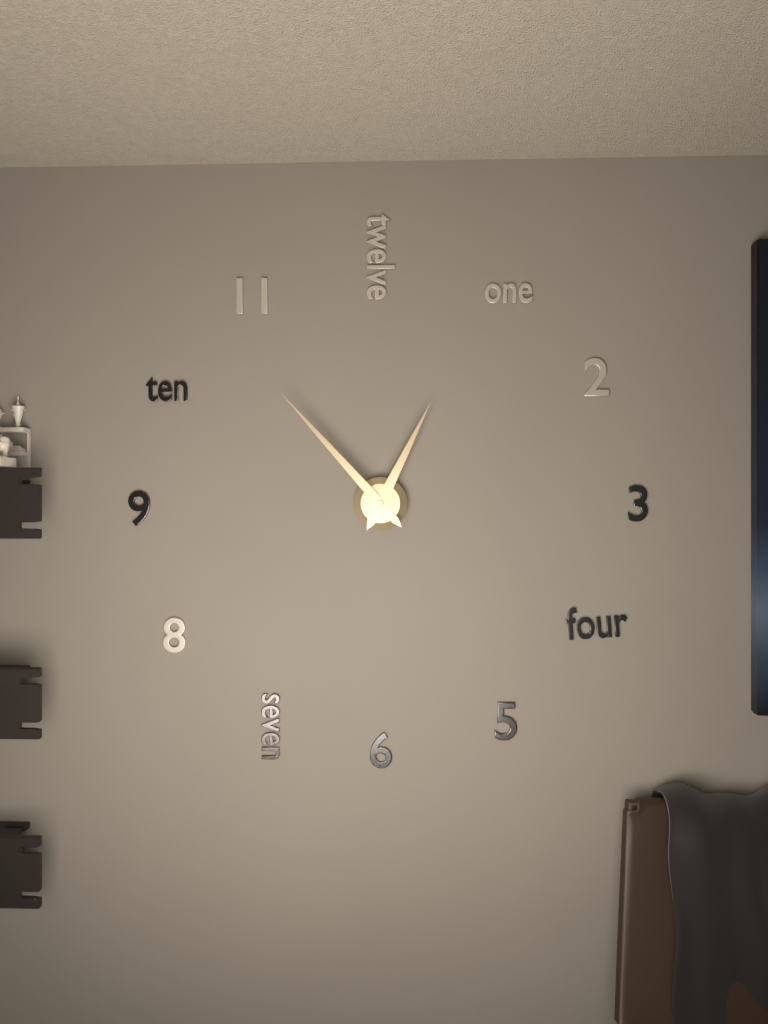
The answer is 12:53
